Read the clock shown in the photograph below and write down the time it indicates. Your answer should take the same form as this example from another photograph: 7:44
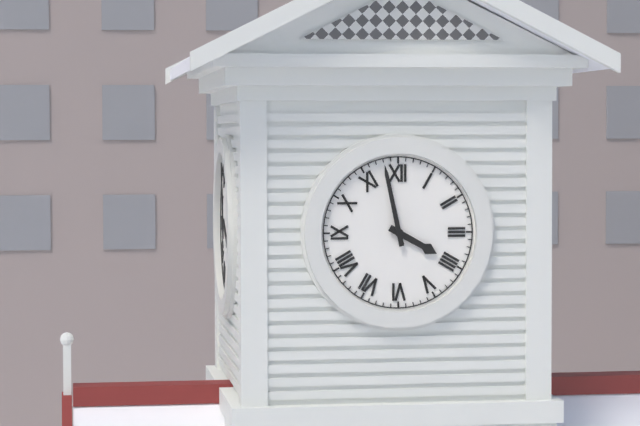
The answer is 3:58
